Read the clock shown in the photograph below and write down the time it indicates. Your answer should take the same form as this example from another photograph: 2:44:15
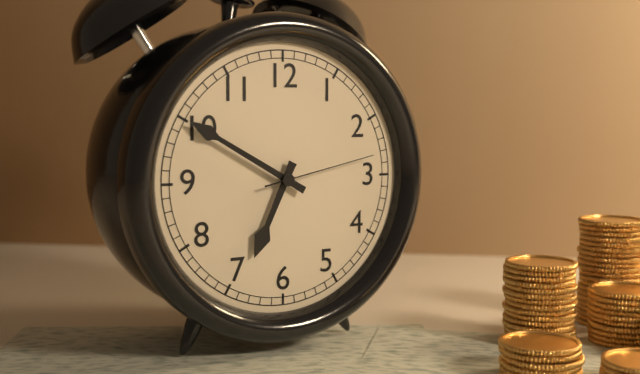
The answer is 6:50:13
